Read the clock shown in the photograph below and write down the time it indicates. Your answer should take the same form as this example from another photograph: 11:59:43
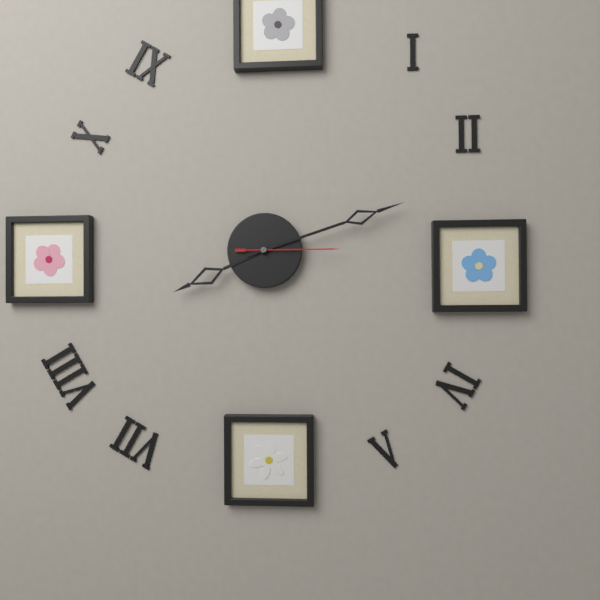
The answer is 8:12:15
